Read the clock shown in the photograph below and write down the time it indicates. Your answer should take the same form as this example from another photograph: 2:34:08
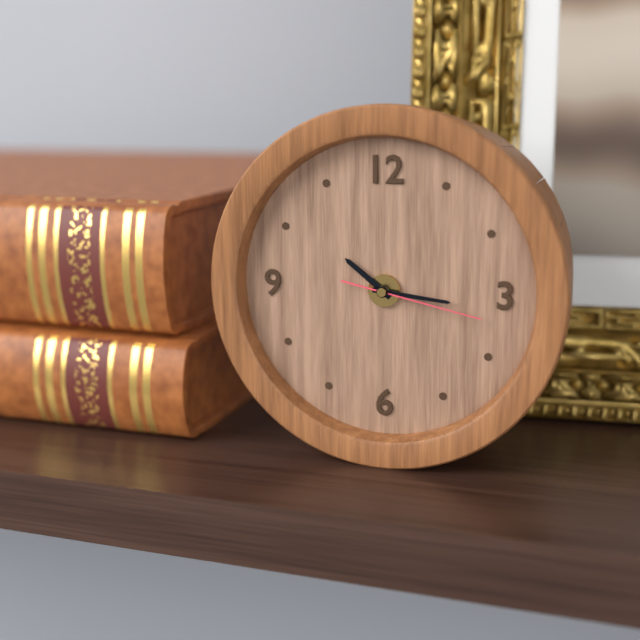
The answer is 10:16:17
